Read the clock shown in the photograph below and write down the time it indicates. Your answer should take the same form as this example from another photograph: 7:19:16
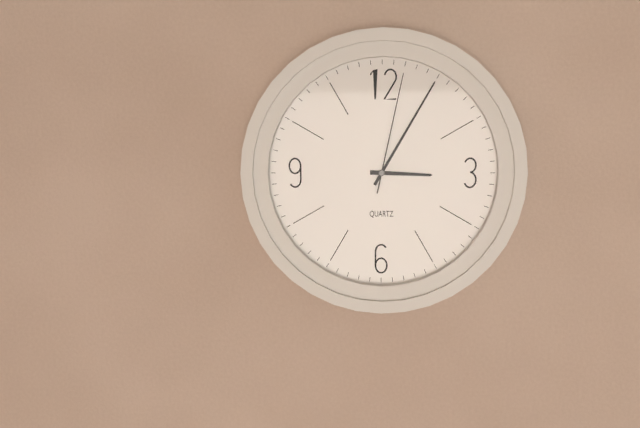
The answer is 3:05:02
